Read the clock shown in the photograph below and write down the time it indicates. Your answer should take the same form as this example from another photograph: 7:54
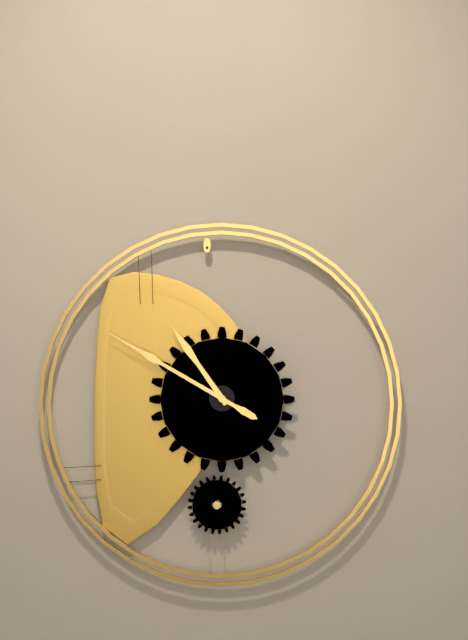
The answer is 10:50
